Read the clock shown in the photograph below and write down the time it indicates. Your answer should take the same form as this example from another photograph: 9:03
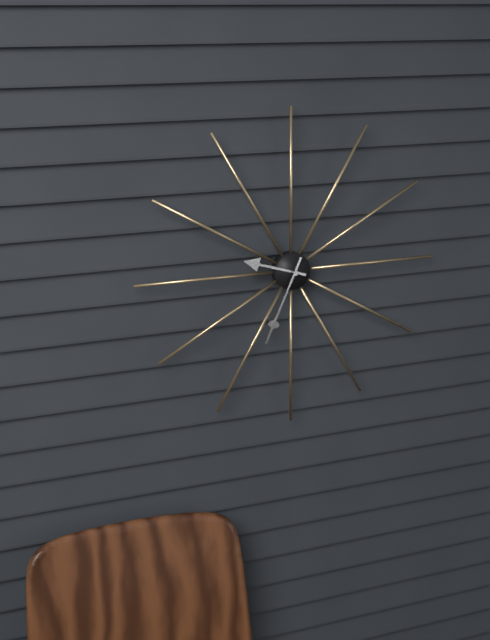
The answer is 9:34
